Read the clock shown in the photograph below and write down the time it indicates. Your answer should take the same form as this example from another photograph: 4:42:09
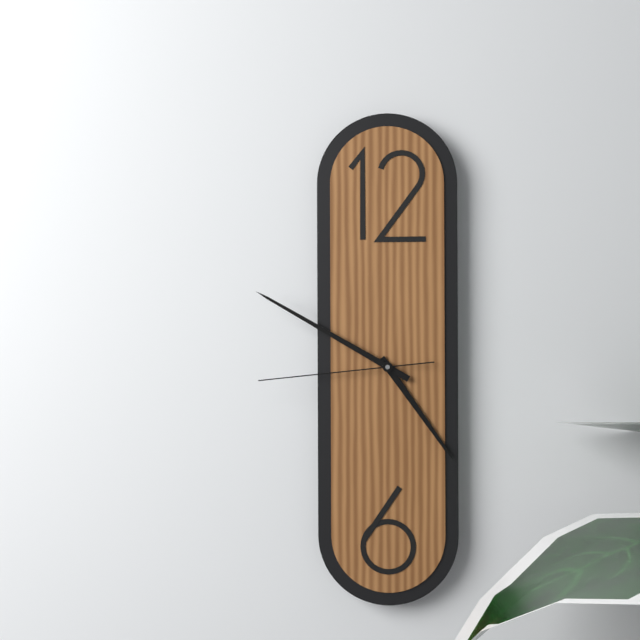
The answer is 4:50:44
